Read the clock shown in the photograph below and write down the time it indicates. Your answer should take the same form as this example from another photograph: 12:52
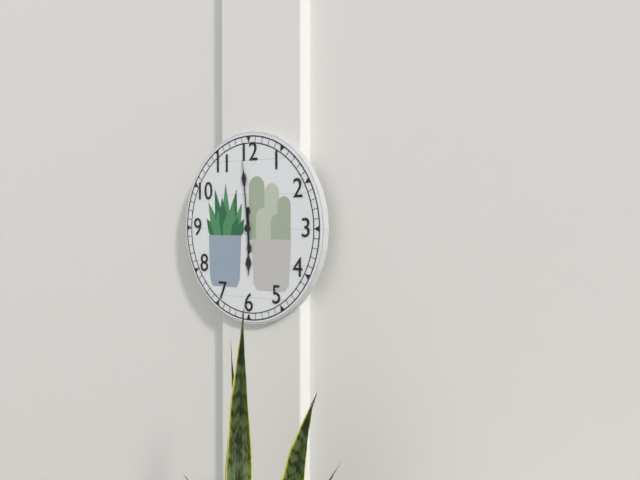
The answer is 5:59
